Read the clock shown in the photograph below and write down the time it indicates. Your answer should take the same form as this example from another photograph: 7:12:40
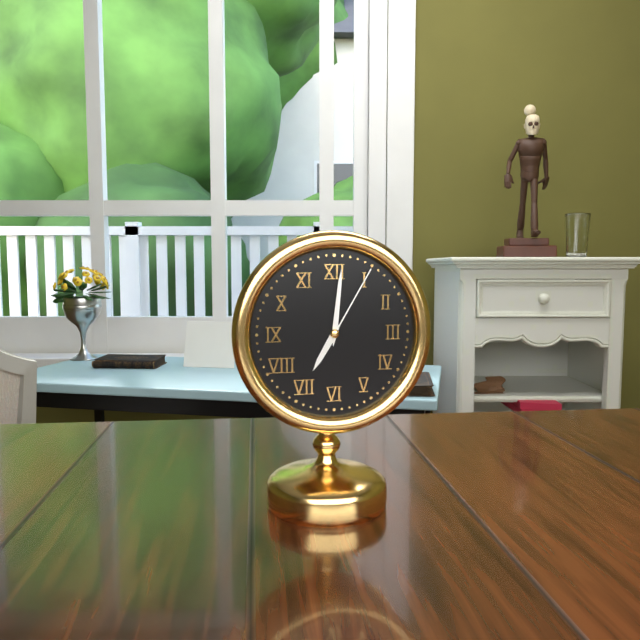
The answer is 7:01:05
